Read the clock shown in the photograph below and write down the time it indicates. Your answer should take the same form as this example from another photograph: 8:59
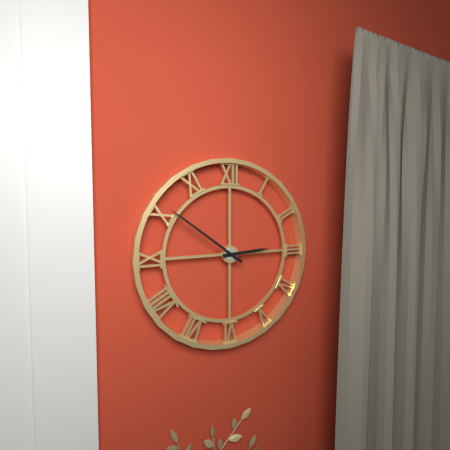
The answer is 2:51
